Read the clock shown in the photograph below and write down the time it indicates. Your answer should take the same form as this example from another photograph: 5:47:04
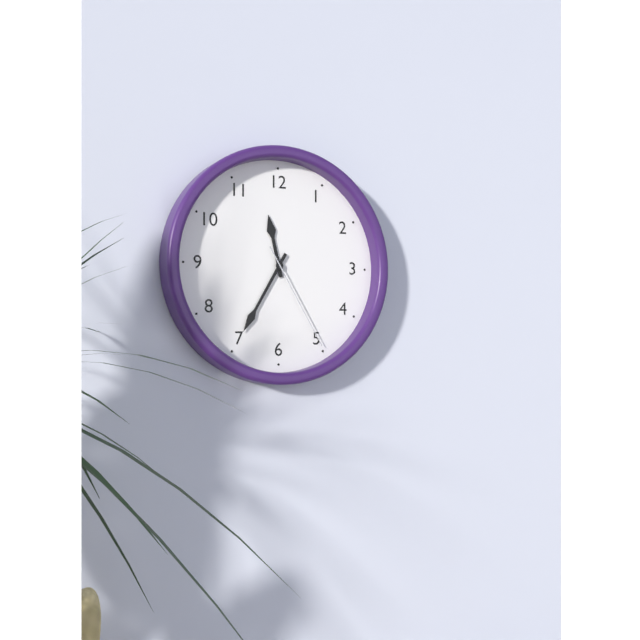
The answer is 11:35:25
